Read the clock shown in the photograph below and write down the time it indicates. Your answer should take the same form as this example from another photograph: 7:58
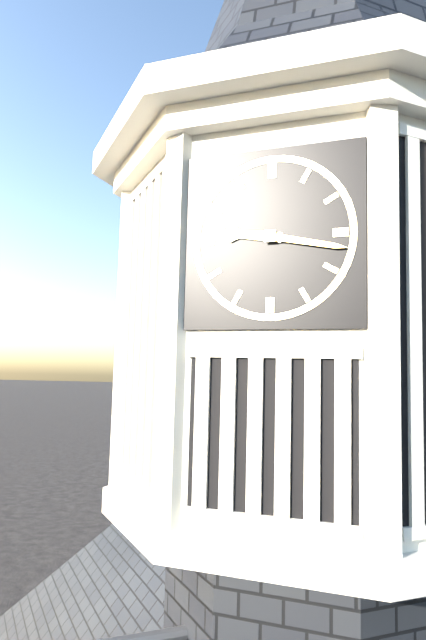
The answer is 9:17
